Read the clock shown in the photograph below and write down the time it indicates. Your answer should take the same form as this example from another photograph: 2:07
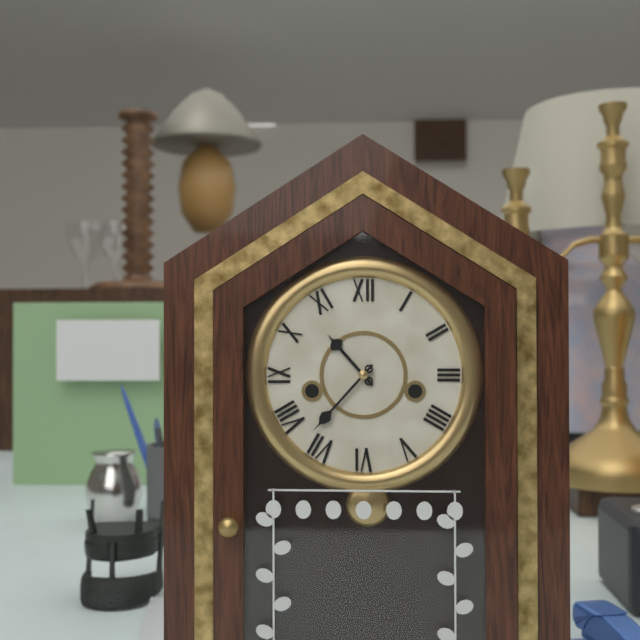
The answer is 10:37
